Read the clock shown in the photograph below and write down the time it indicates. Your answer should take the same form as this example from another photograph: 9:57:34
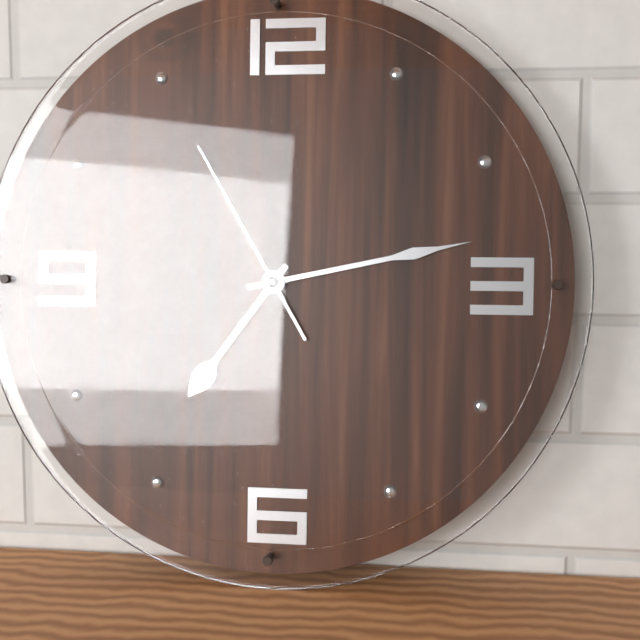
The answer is 7:13:55
